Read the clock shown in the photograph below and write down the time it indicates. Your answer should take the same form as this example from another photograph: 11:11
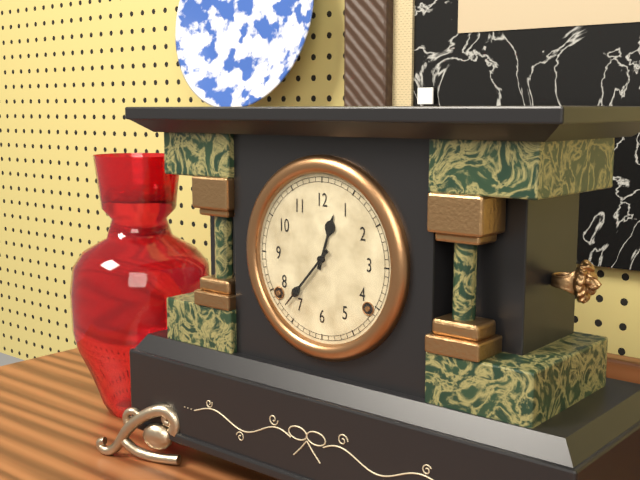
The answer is 12:37
